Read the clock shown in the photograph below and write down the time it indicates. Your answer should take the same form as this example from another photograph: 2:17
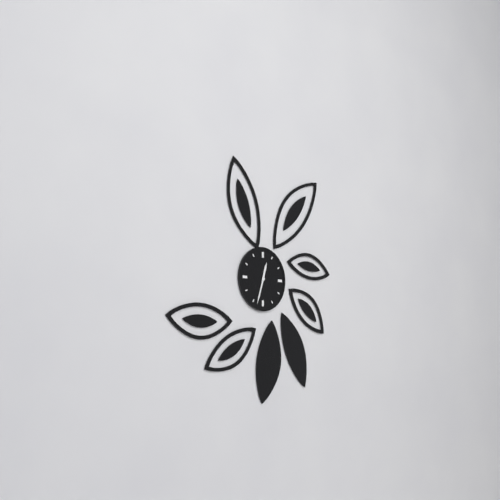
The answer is 12:33
